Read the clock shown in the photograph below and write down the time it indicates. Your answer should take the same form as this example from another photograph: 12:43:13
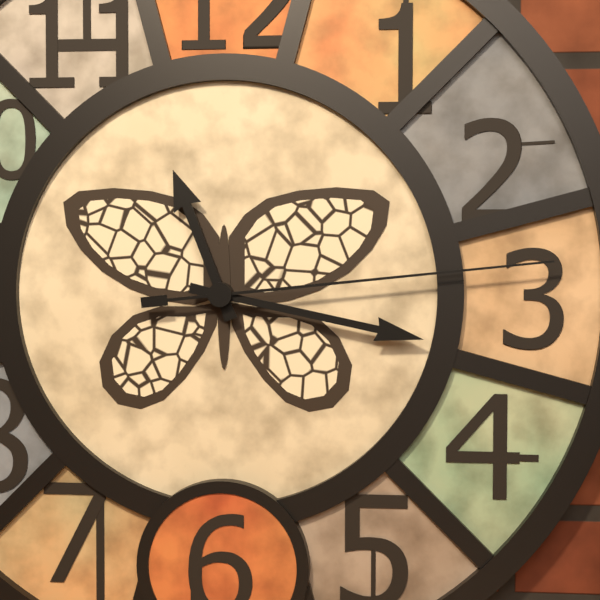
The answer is 11:17:14
